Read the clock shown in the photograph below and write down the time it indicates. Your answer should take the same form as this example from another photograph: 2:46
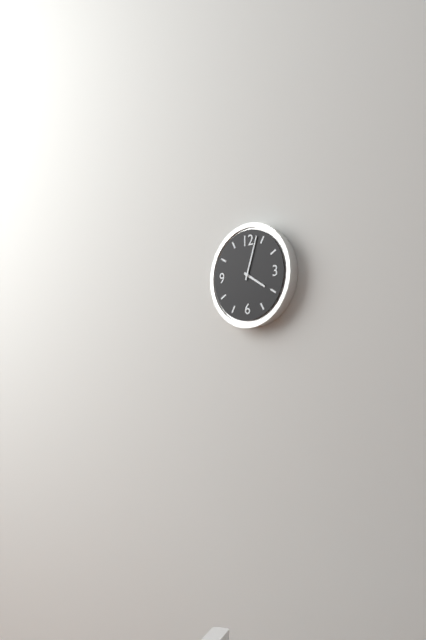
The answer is 4:03
